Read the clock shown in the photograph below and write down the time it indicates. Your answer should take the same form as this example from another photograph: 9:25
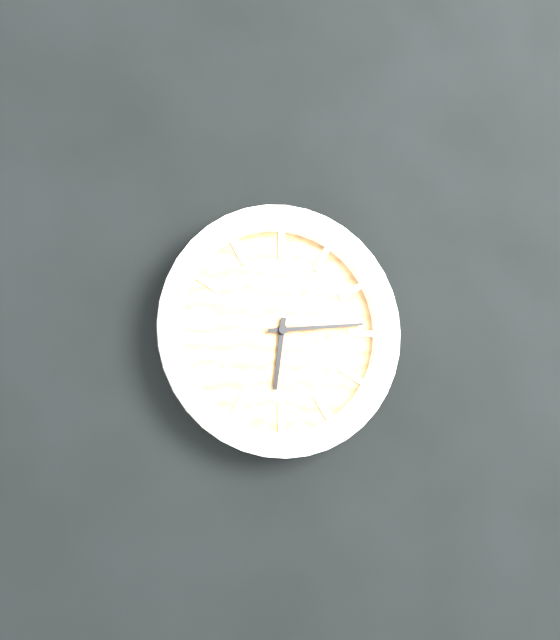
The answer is 6:14
